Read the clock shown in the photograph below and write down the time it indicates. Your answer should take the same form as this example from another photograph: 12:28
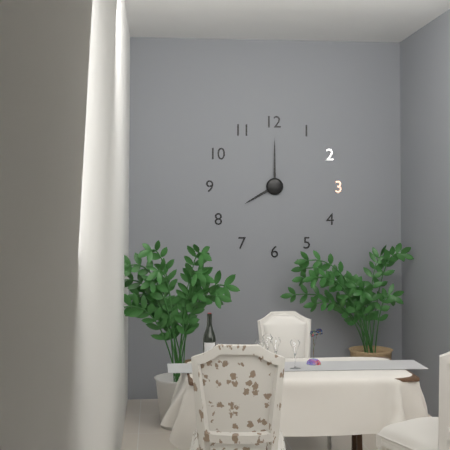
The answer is 8:00
